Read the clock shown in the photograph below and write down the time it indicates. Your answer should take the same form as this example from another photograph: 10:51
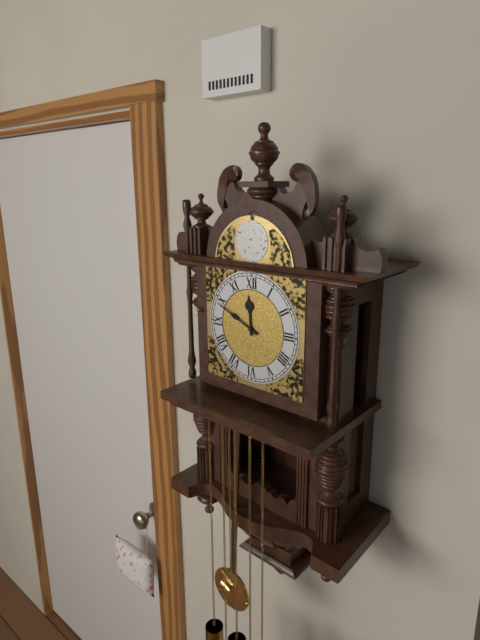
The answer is 11:49
